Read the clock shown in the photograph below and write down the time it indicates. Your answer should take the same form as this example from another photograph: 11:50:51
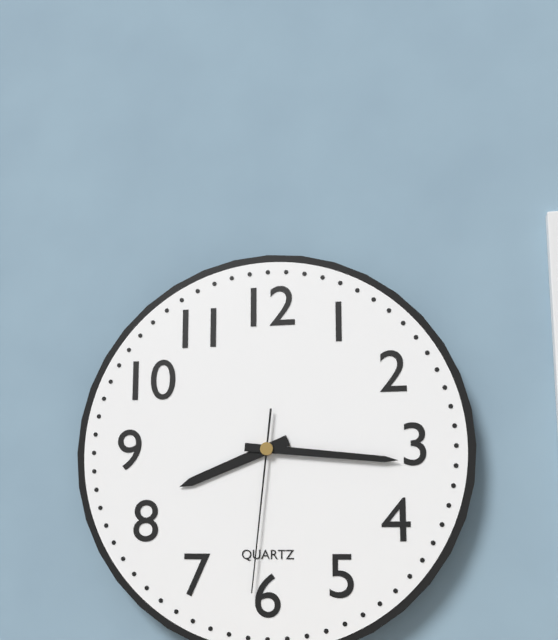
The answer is 8:16:31
